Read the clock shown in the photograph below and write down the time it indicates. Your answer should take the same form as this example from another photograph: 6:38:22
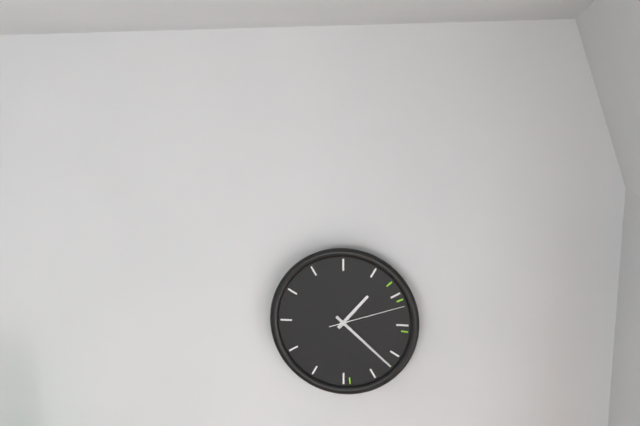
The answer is 1:22:12
